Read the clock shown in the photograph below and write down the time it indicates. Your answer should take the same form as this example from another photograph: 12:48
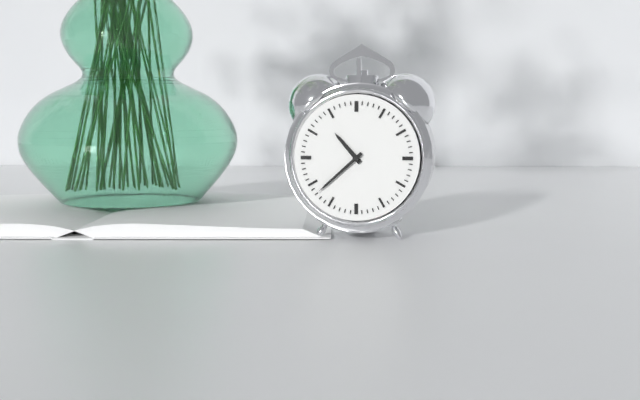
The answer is 10:38
